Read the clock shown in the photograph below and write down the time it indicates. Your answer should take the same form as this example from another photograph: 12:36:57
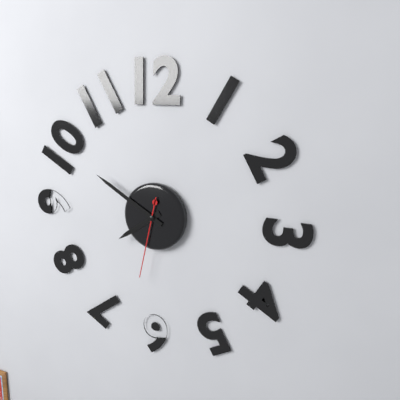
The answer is 7:50:32
